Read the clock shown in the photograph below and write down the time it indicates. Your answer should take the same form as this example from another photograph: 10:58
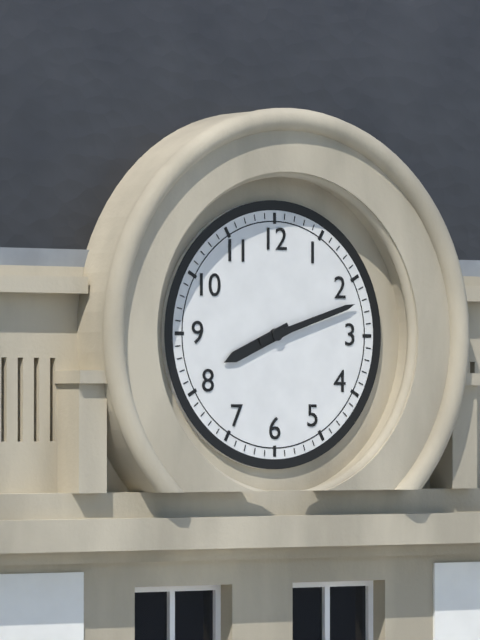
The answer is 8:12
